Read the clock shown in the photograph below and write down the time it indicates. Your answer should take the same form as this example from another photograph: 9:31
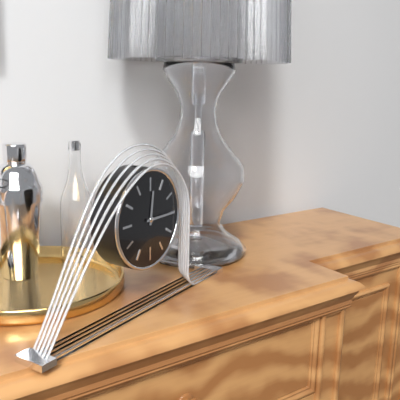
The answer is 12:15
